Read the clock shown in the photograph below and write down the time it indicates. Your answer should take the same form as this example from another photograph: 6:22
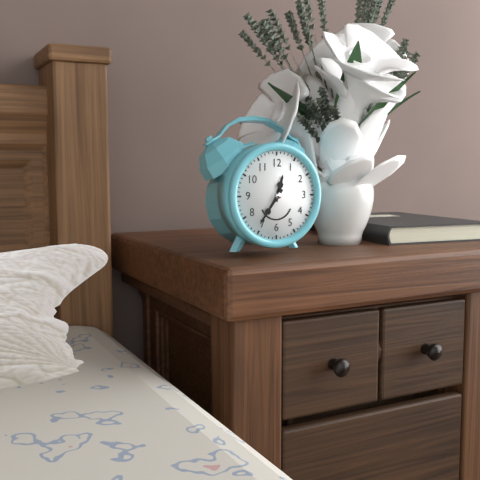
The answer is 12:36
